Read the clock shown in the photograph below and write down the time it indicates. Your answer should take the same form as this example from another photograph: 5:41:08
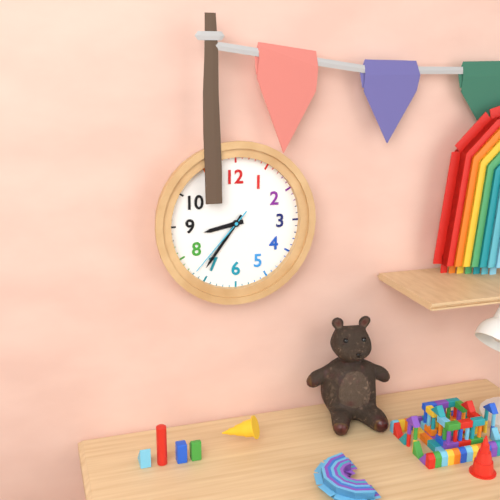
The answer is 8:36:37
